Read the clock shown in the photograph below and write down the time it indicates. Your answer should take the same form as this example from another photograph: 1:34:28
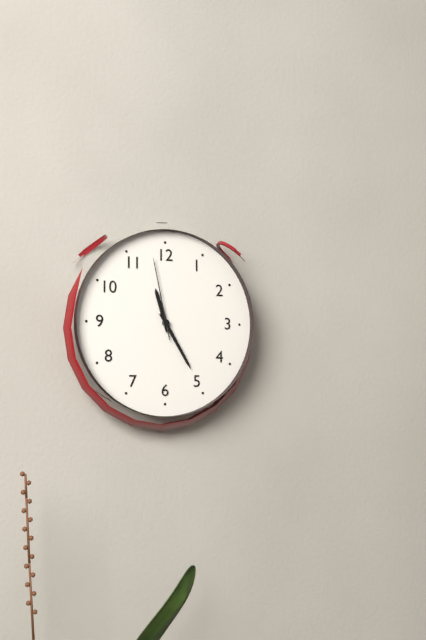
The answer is 11:25:58
